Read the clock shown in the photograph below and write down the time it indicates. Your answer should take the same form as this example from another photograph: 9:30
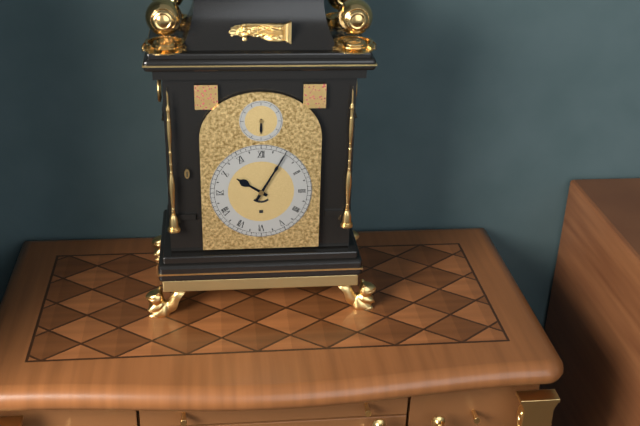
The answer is 10:05
